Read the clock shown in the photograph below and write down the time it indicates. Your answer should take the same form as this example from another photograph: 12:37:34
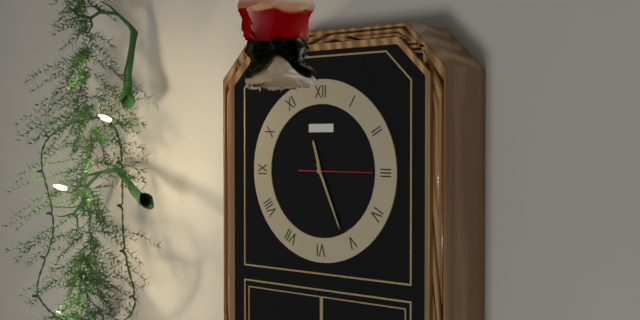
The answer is 11:26:15
